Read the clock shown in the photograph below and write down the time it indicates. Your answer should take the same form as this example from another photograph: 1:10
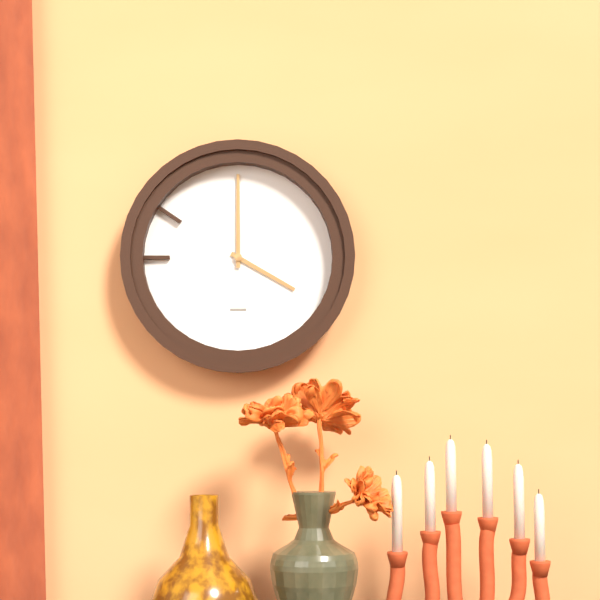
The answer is 4:00
